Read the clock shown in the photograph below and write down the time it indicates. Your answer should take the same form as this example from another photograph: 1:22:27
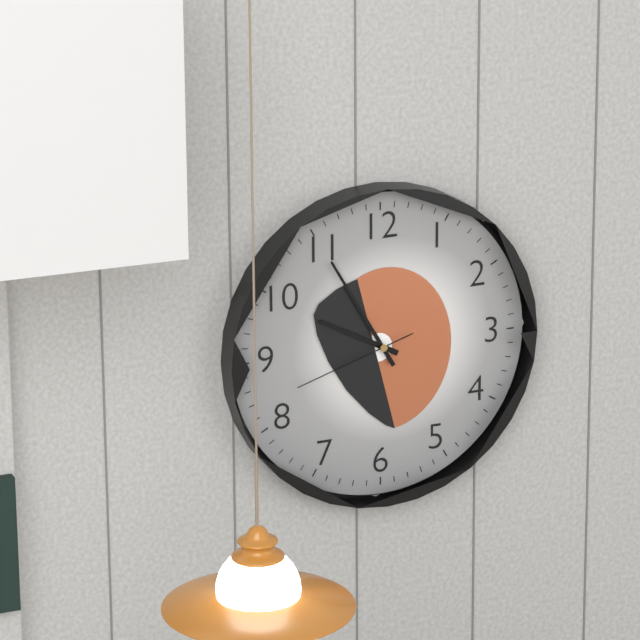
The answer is 9:55:42
